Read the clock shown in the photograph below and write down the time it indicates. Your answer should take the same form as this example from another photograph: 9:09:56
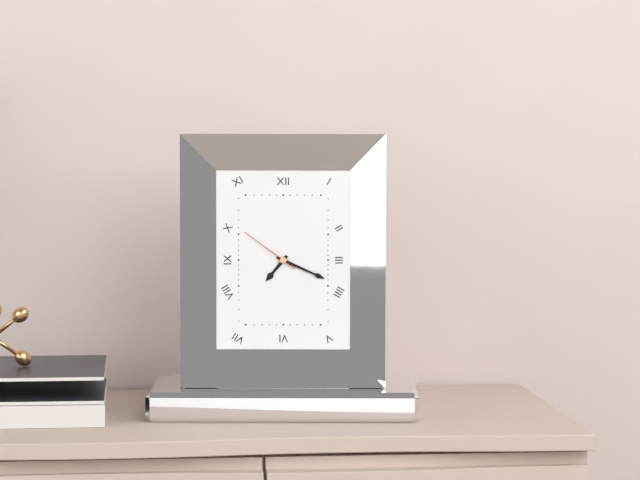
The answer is 7:19:51
